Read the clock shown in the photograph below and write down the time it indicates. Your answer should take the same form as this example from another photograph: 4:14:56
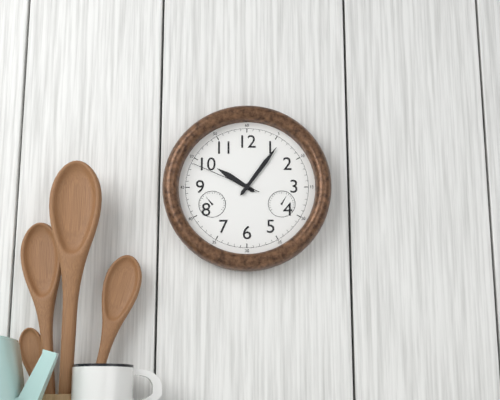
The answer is 10:06:49
